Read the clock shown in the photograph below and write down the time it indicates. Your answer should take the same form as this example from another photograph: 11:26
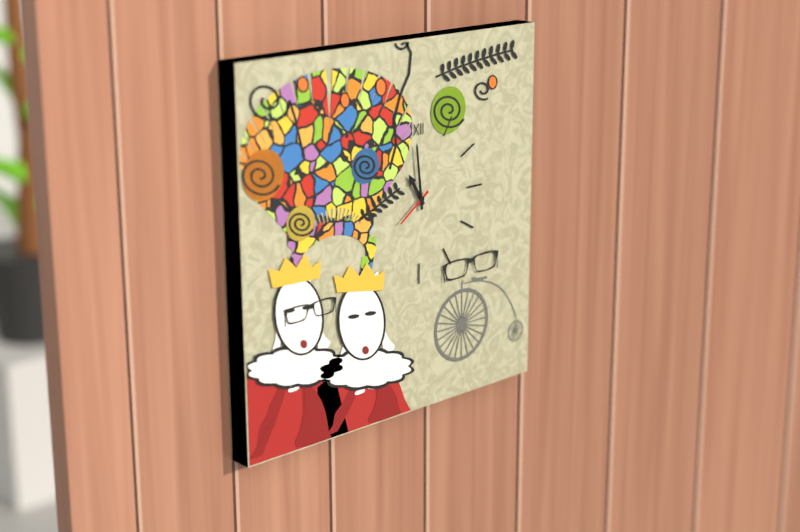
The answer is 10:59
